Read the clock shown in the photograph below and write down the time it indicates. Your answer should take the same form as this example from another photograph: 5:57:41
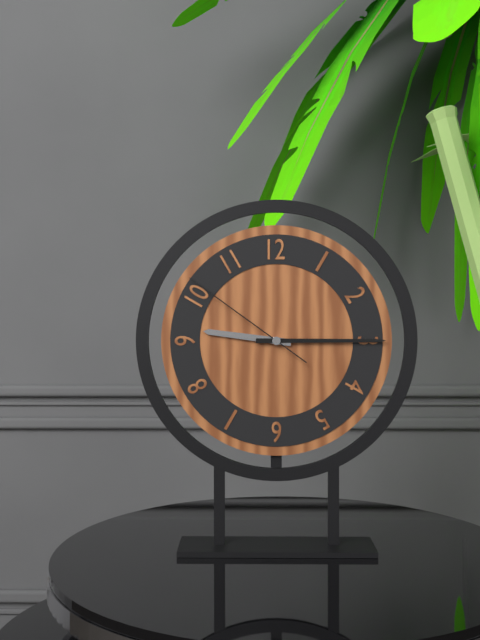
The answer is 9:15:51
